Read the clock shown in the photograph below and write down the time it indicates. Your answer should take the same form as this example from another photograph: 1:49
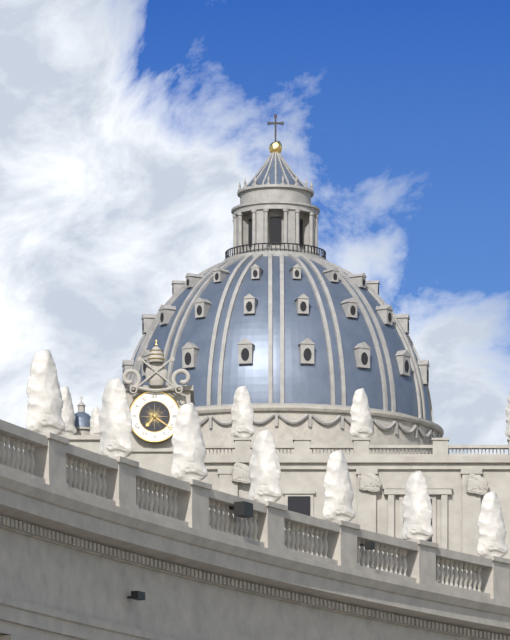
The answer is 7:21
